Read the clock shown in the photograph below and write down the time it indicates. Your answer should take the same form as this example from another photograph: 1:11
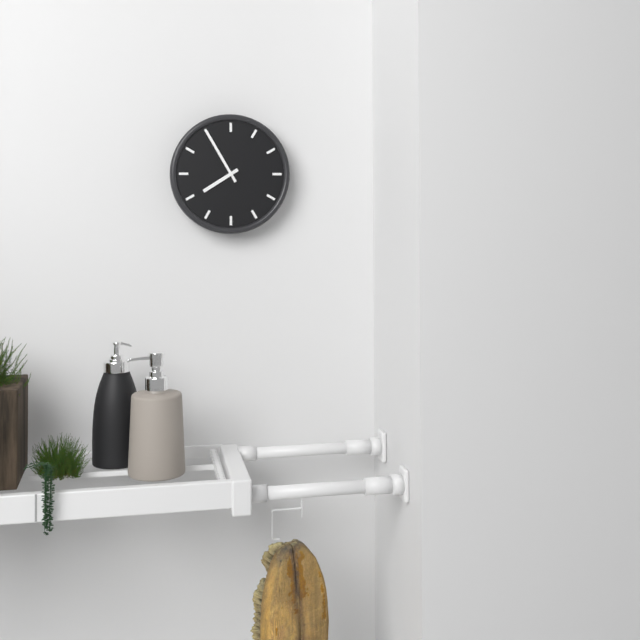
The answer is 7:55
